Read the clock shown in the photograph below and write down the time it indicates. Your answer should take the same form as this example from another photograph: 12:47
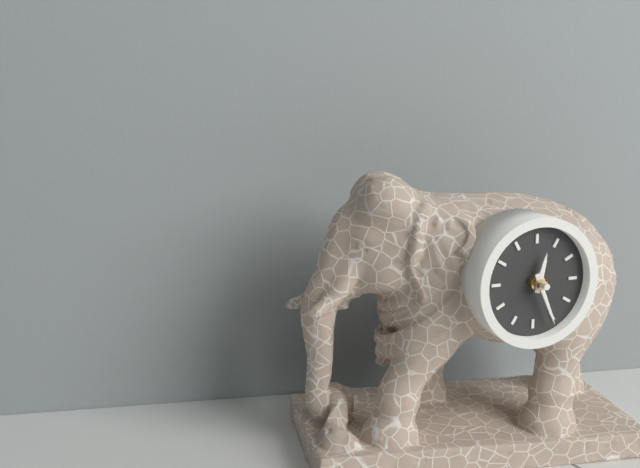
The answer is 12:26
